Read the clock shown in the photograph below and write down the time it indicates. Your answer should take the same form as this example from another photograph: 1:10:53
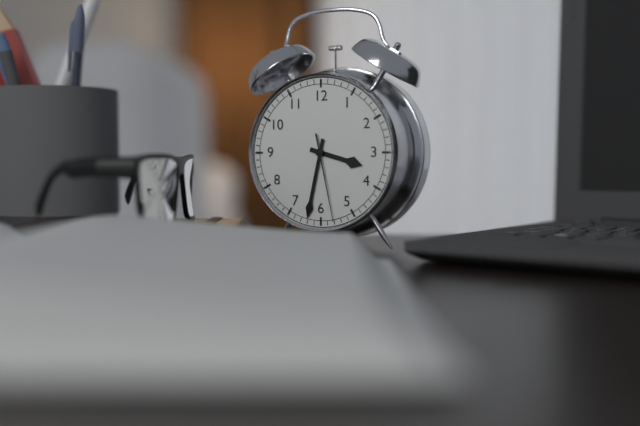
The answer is 3:32:28
